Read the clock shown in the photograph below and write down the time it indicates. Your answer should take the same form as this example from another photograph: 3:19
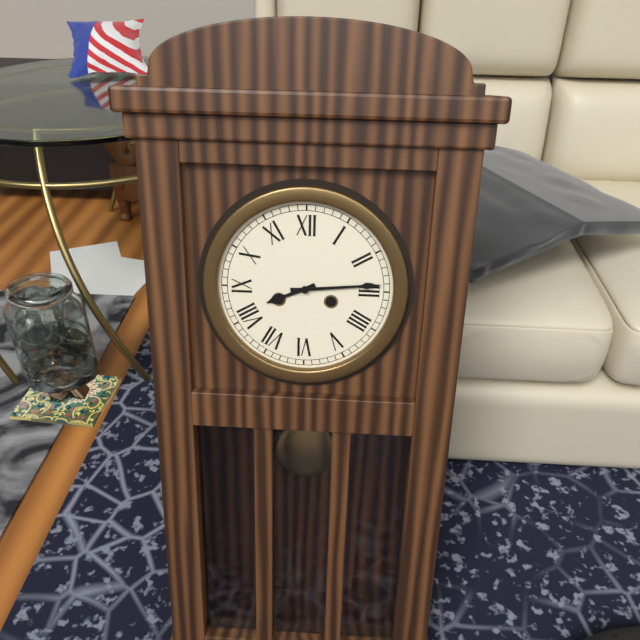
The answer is 8:14
